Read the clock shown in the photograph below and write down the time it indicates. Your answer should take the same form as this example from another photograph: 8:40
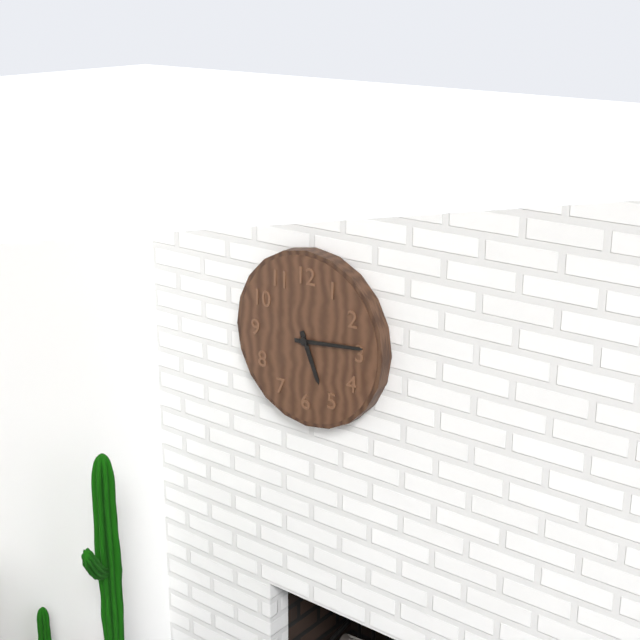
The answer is 5:14
